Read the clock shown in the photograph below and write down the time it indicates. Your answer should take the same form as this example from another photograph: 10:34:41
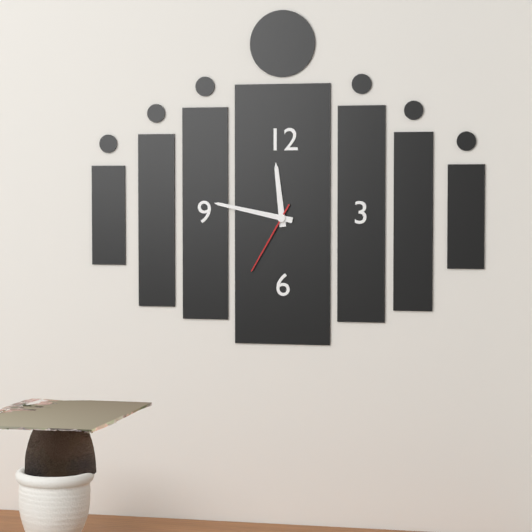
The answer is 11:47:35
